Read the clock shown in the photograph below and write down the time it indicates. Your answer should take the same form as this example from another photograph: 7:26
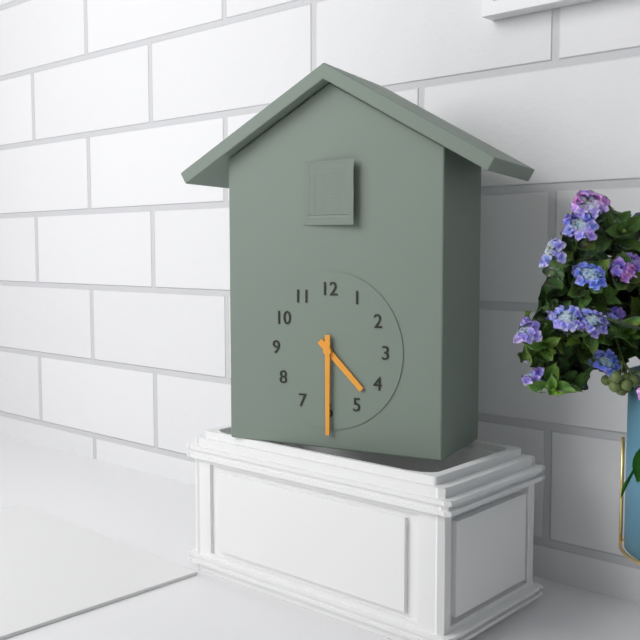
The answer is 4:30
